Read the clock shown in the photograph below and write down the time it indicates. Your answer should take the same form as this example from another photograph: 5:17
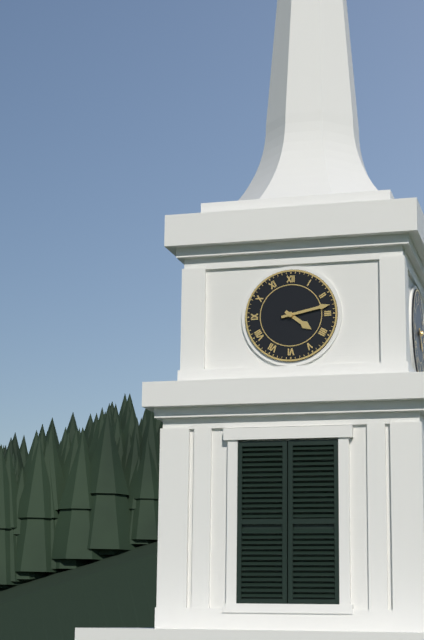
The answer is 4:13
